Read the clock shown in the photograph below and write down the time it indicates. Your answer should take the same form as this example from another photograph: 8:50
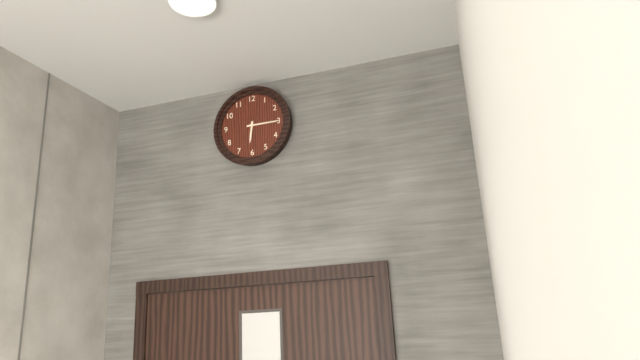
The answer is 6:15
